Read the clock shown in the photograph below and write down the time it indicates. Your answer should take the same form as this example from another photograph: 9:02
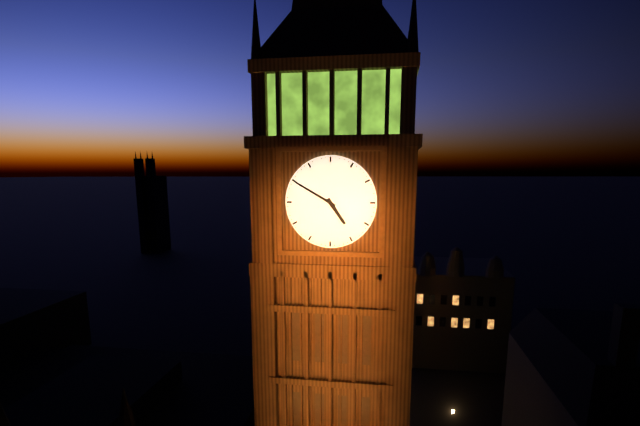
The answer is 4:50
